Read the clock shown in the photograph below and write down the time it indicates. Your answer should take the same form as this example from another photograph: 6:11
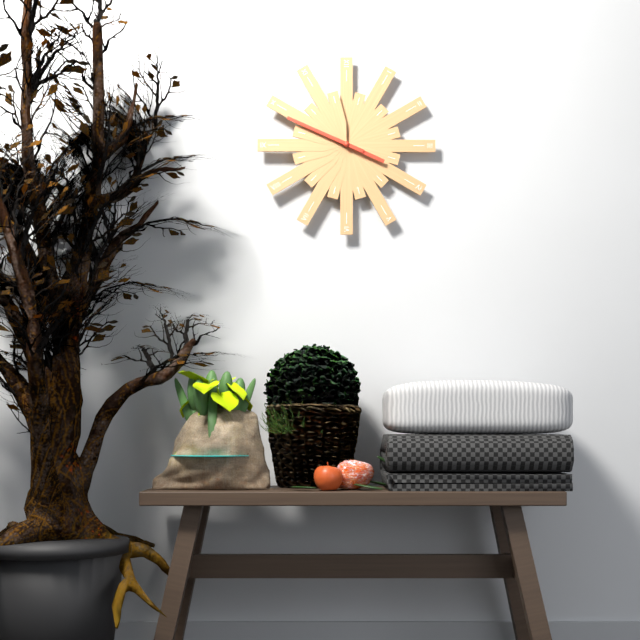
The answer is 3:49
